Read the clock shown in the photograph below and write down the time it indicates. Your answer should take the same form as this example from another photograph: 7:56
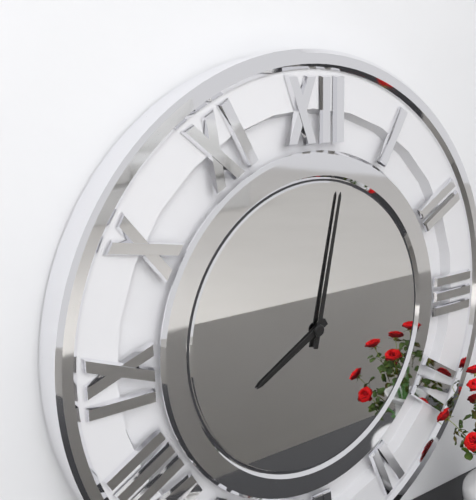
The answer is 8:02
